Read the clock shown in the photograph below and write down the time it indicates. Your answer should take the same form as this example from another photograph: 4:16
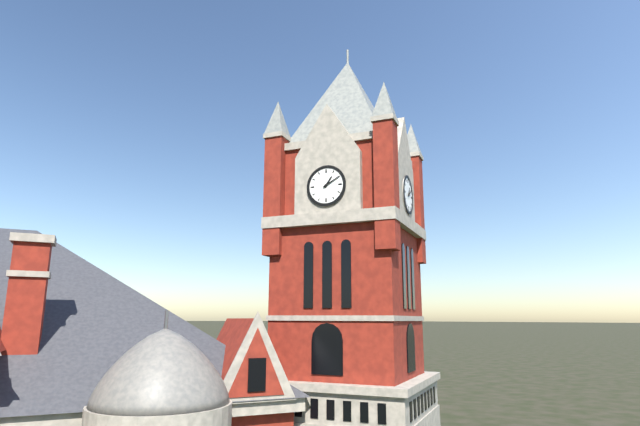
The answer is 1:10
